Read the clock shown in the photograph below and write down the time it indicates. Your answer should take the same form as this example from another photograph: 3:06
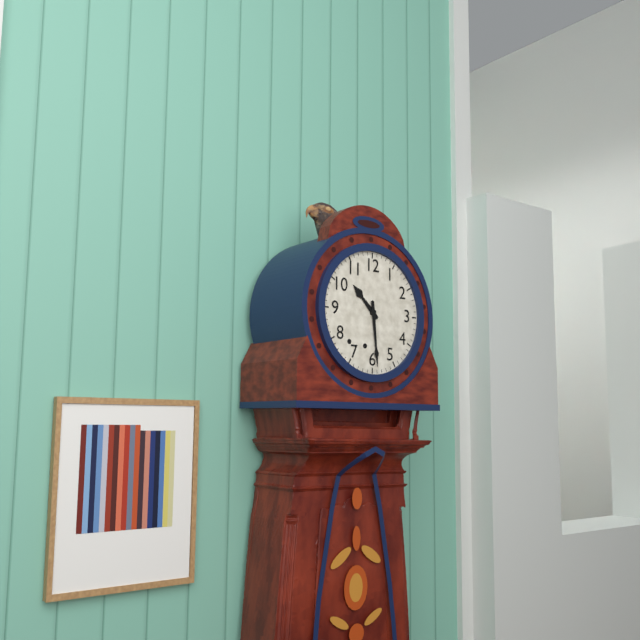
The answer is 10:29
